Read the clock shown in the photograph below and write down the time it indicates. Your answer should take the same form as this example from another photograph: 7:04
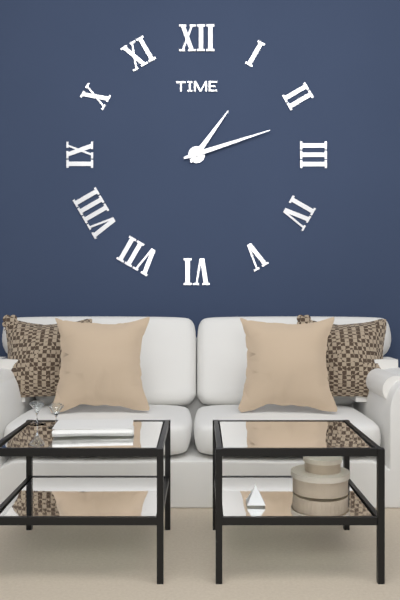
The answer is 1:12
